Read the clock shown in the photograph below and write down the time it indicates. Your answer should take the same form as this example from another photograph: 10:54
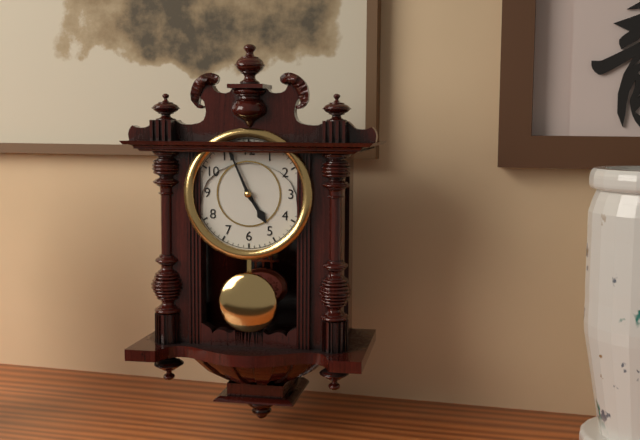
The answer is 4:56
